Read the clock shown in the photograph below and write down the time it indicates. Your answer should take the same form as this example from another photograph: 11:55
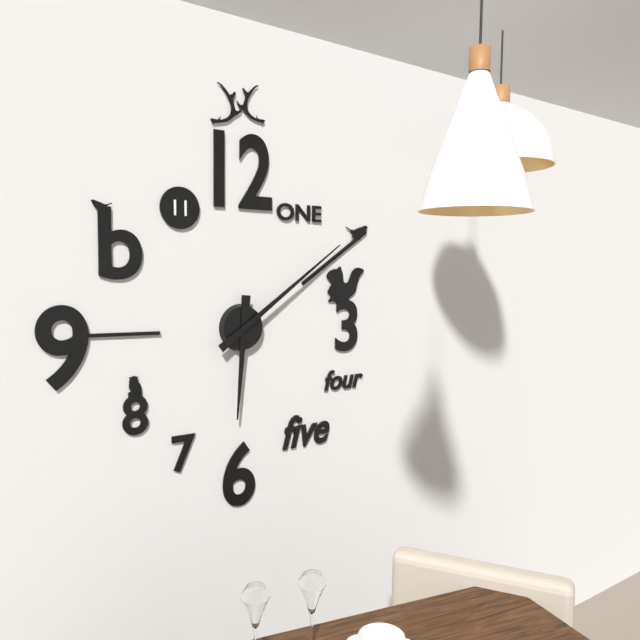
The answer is 6:09
